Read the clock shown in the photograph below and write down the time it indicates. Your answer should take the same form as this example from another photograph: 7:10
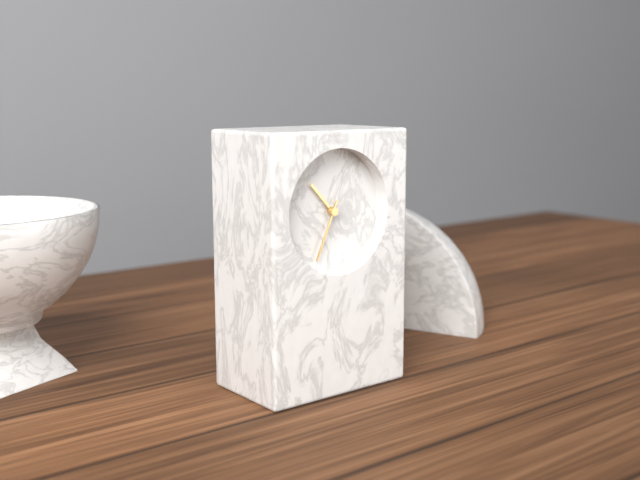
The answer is 10:34
